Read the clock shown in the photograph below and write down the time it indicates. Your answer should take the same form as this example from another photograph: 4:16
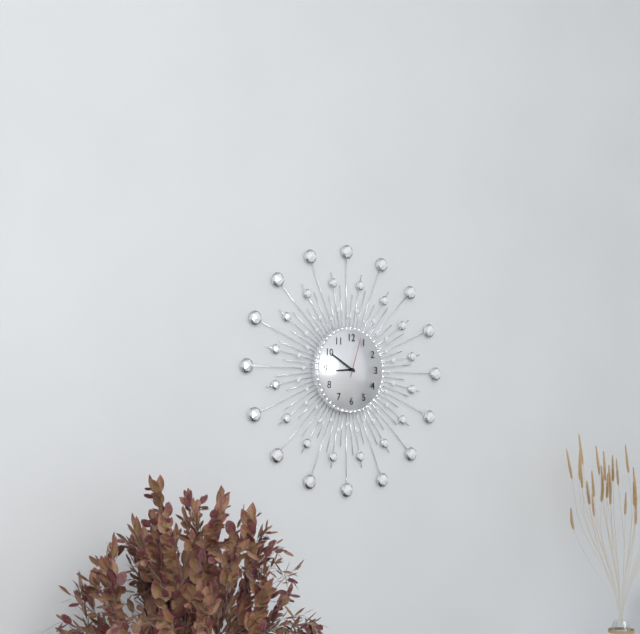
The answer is 8:50
